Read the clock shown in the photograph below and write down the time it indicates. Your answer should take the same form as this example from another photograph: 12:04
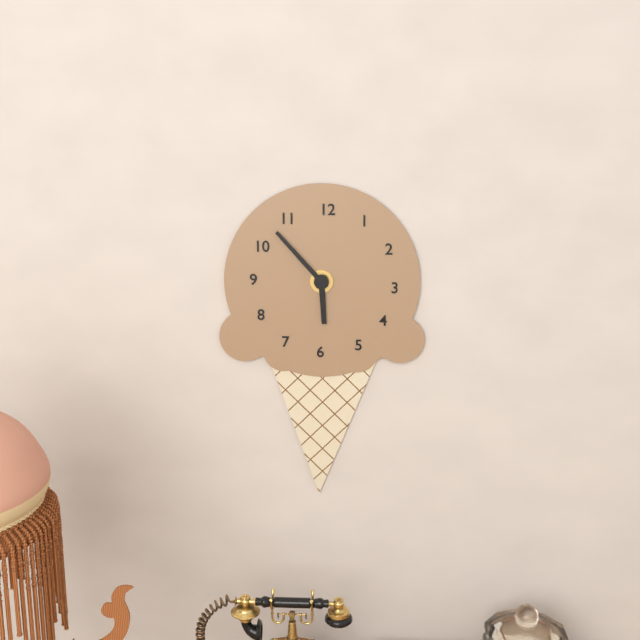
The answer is 5:53
